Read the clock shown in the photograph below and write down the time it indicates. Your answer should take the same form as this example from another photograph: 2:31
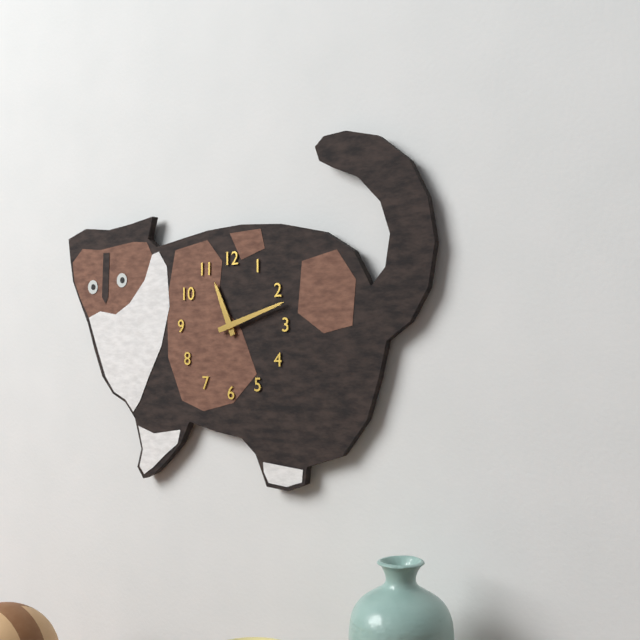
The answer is 11:12
